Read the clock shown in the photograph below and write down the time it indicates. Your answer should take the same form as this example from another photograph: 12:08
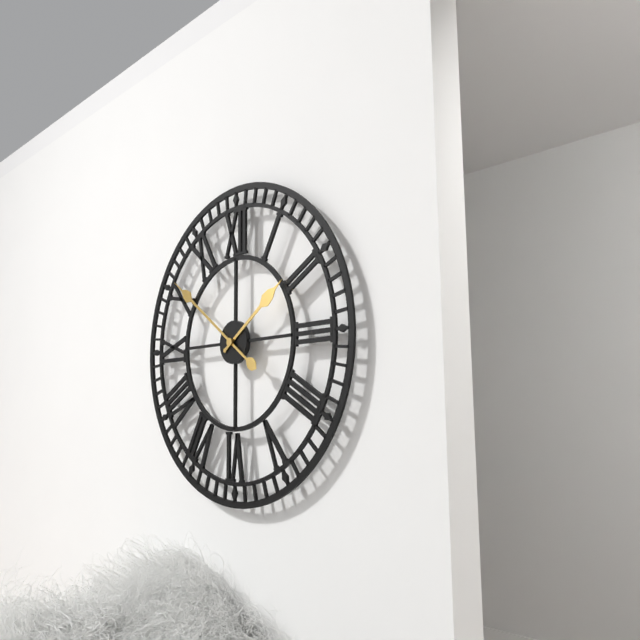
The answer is 1:51
